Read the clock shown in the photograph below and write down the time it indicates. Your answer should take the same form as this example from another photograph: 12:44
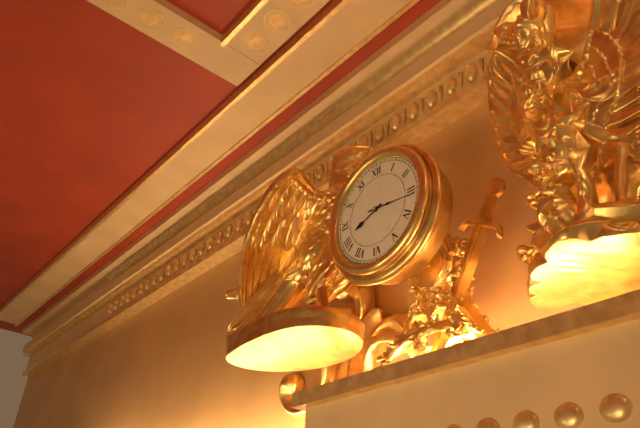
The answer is 8:16
